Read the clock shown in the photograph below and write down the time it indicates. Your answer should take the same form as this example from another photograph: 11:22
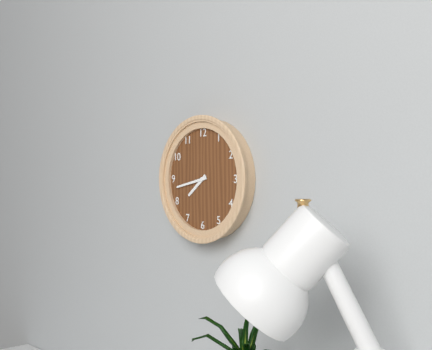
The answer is 7:43
